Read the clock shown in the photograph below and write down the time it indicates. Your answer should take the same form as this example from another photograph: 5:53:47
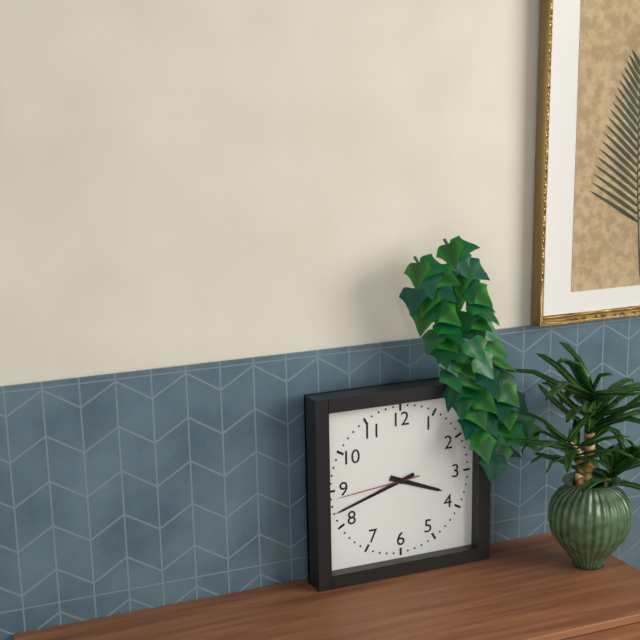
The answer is 3:42:44
